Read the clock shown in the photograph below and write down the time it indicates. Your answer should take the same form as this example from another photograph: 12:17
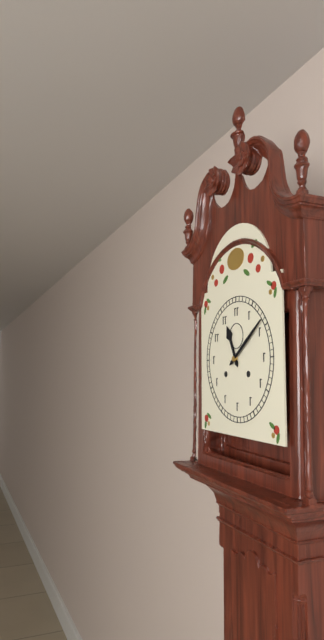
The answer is 11:09
